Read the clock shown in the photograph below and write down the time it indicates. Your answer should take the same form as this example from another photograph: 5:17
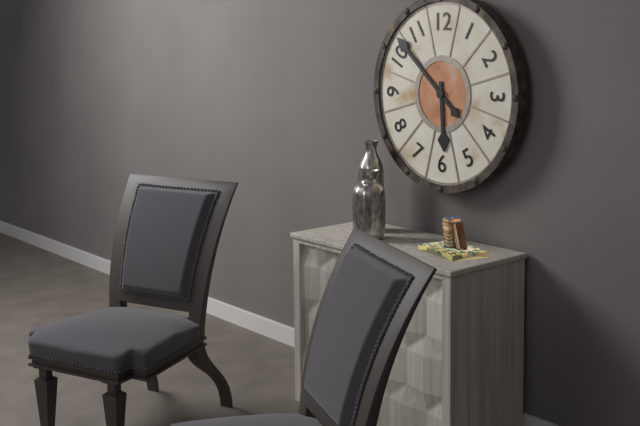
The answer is 5:52
